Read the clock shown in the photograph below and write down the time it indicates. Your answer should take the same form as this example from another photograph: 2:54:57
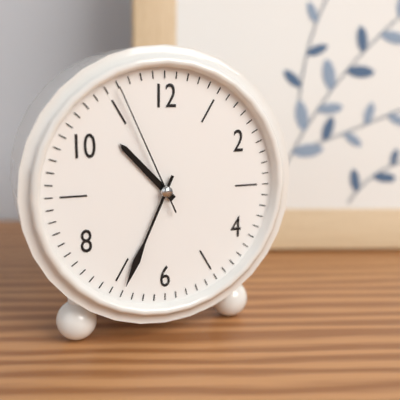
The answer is 10:34:56
